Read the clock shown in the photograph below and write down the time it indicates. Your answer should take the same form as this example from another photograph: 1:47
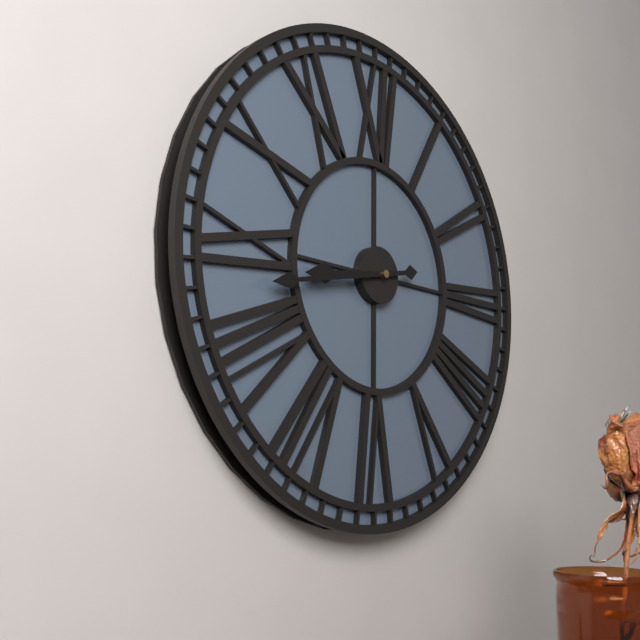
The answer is 8:43
